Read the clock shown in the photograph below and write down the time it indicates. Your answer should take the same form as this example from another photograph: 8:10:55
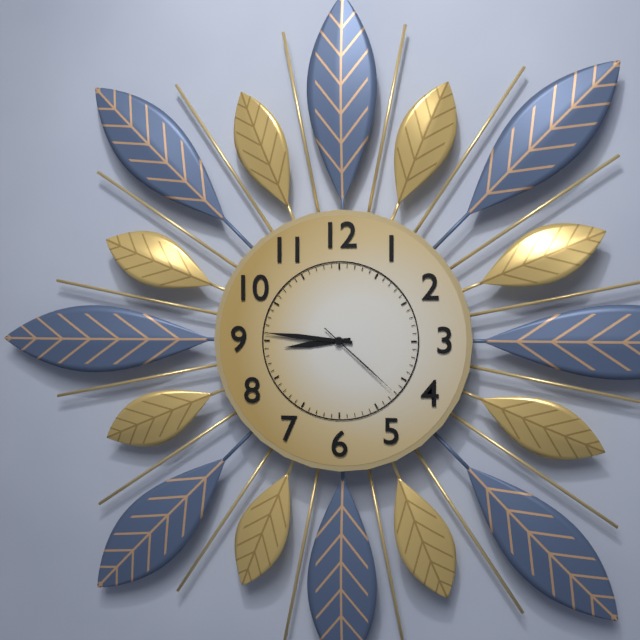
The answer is 8:46:22
